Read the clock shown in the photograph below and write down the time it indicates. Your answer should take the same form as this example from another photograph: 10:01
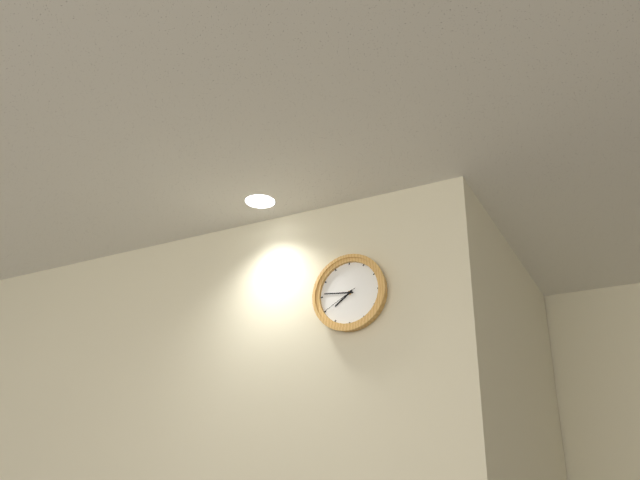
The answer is 7:46
